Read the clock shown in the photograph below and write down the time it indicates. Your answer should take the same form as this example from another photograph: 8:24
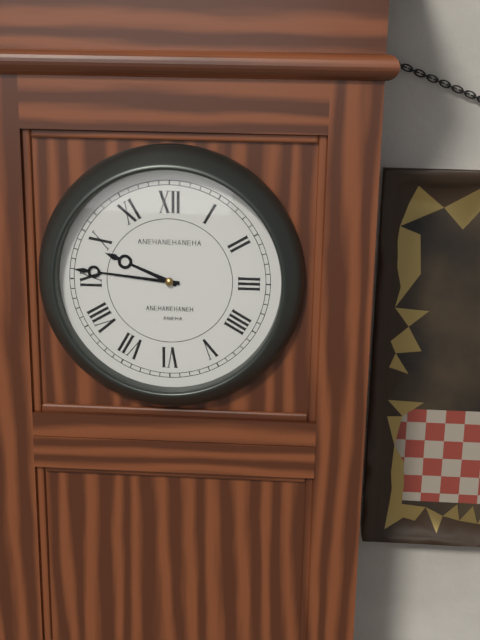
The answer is 9:46
